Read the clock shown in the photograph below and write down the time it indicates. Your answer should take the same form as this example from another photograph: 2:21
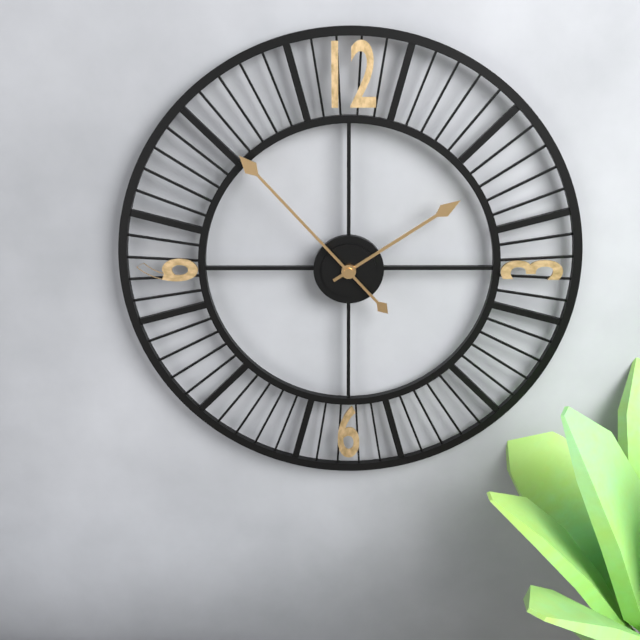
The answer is 1:53
